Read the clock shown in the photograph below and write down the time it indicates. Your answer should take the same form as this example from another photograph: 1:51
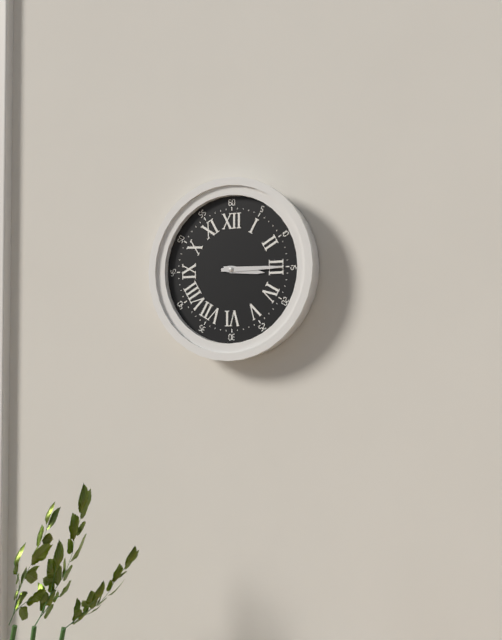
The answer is 3:15
